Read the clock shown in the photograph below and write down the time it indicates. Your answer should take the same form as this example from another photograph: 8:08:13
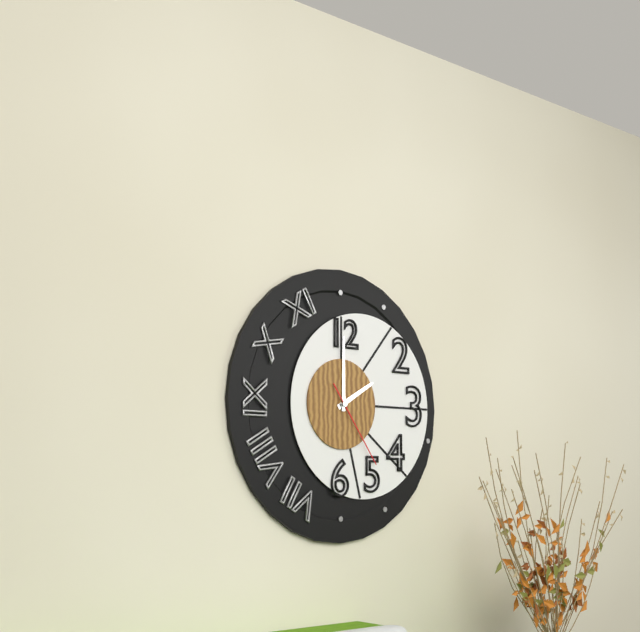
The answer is 2:00:24
